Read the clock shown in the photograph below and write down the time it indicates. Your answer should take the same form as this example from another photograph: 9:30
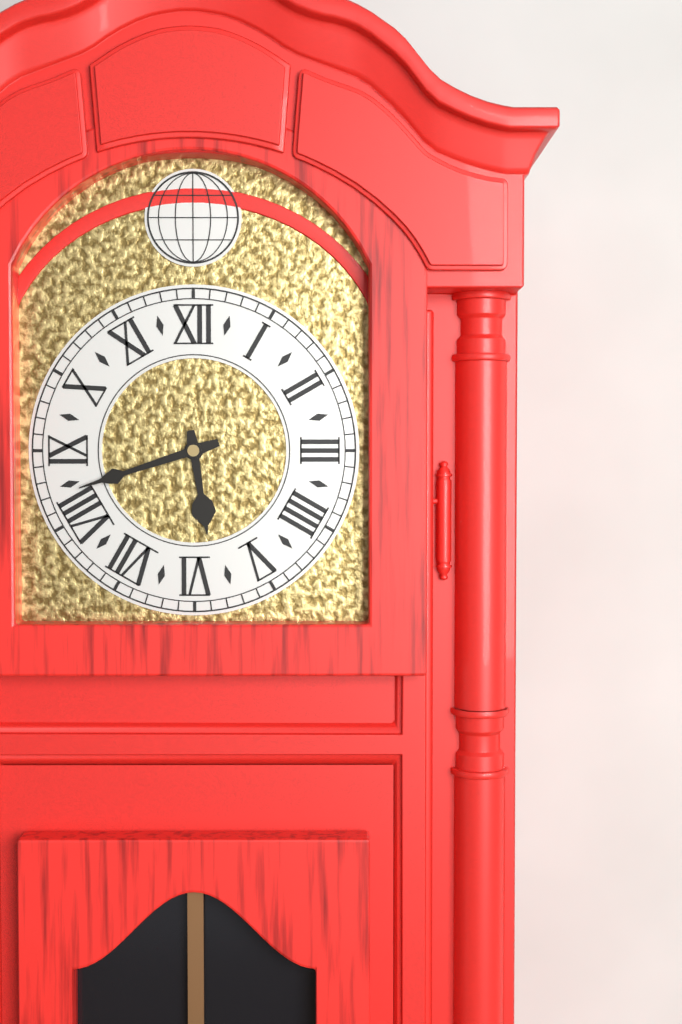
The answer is 5:42
